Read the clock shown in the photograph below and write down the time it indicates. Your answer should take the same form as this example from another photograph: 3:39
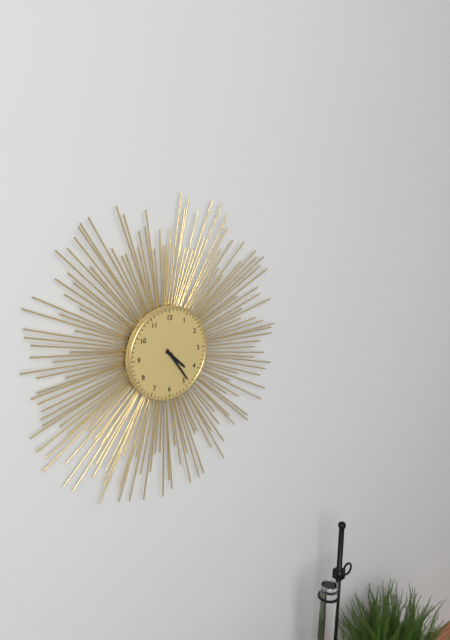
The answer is 4:24
